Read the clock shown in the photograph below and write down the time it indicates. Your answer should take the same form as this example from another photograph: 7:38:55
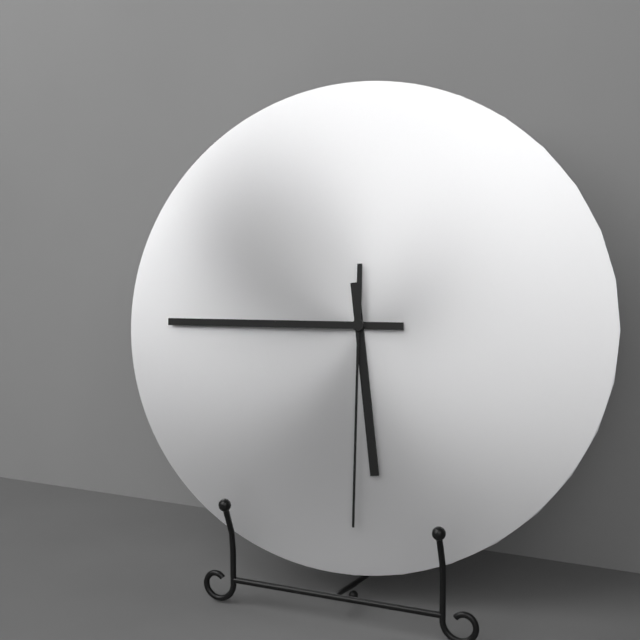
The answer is 5:45:30
